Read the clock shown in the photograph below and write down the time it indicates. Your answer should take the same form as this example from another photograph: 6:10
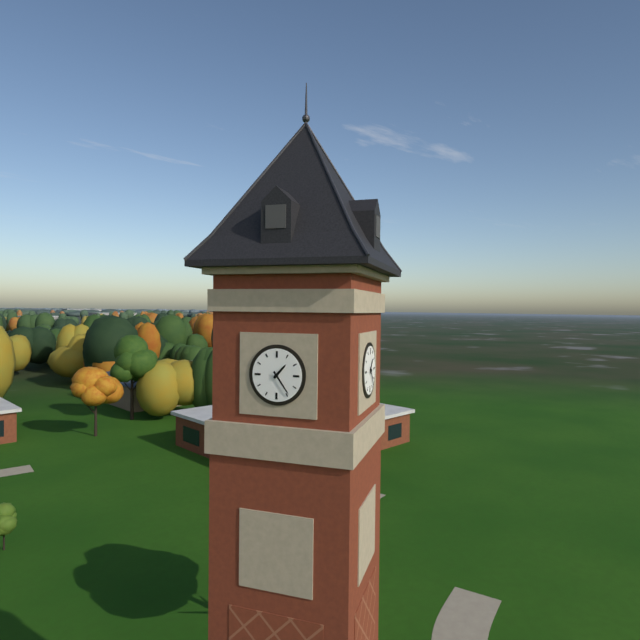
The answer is 1:24
